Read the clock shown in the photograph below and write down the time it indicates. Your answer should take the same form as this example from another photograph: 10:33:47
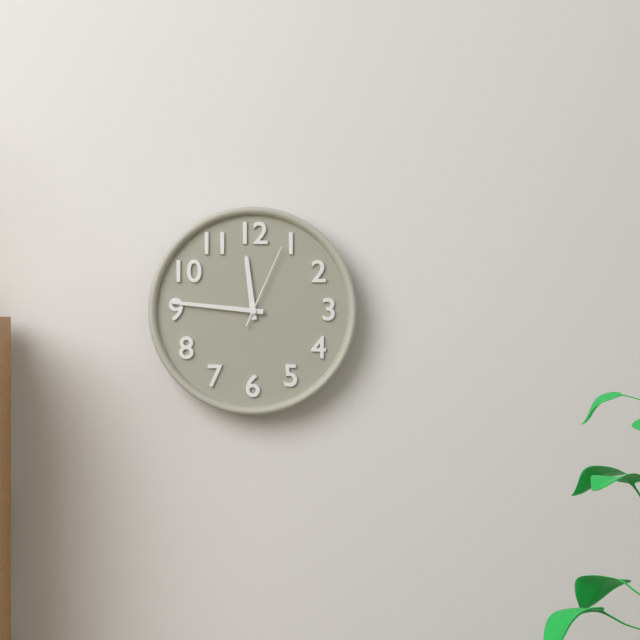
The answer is 11:46:04
